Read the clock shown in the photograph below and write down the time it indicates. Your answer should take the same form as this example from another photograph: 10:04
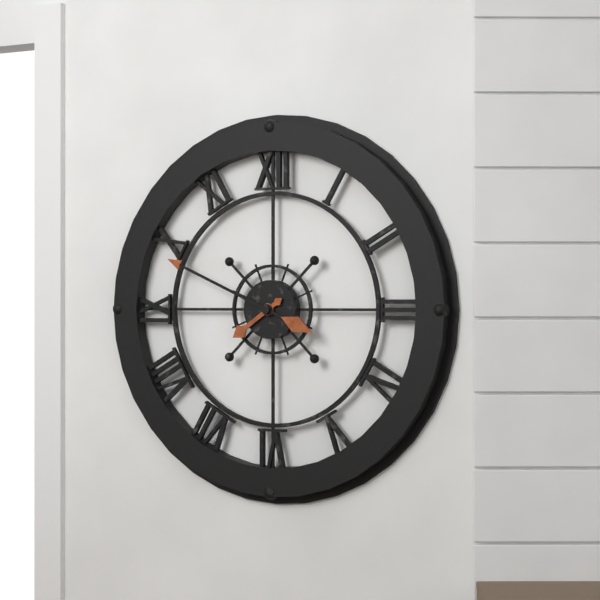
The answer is 7:49
